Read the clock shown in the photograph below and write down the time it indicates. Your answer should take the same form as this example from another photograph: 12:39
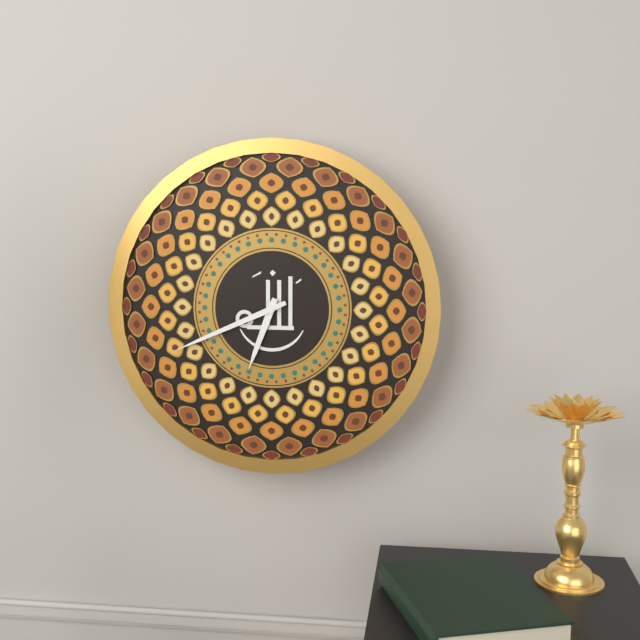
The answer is 6:41
